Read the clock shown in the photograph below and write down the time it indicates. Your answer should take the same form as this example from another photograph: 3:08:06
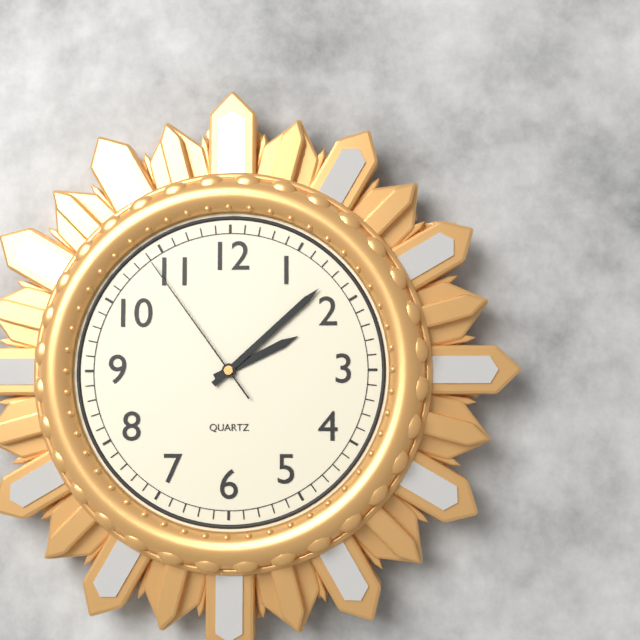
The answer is 2:08:54
